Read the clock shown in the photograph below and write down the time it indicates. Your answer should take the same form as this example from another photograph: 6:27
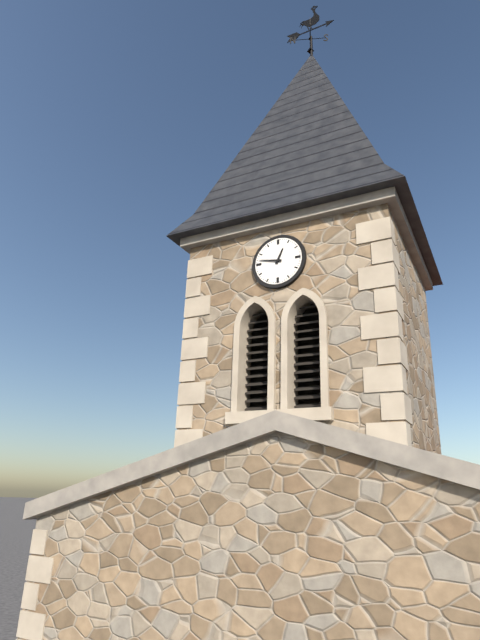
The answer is 12:47
